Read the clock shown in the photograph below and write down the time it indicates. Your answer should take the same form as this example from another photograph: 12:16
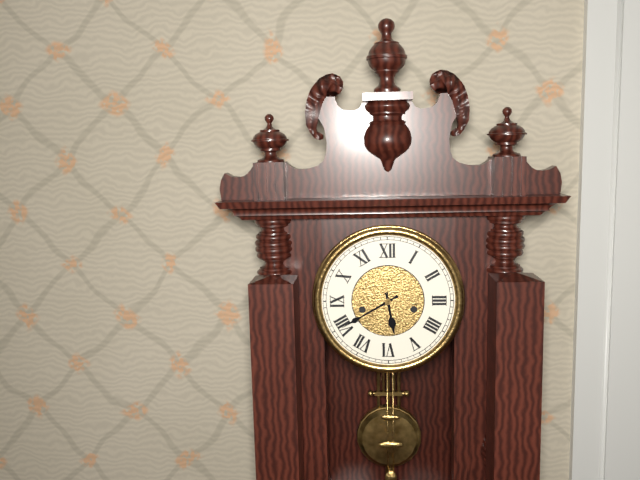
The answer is 5:40
